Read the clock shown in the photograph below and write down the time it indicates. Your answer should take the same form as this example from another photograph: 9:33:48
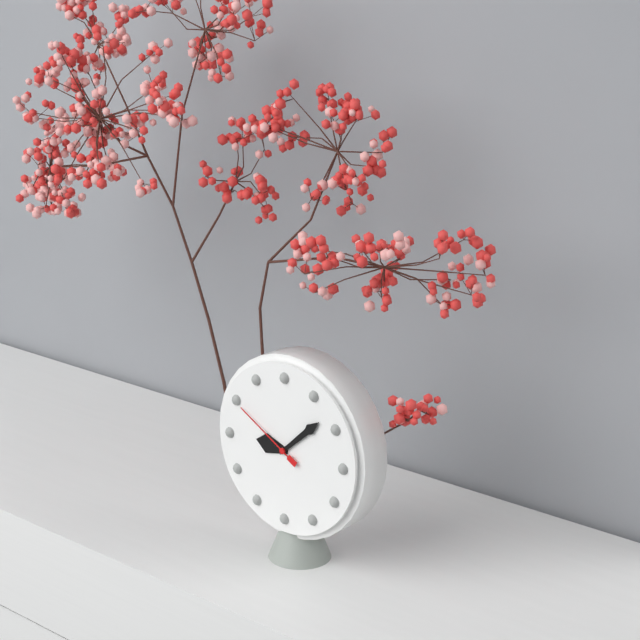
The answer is 9:08:50
